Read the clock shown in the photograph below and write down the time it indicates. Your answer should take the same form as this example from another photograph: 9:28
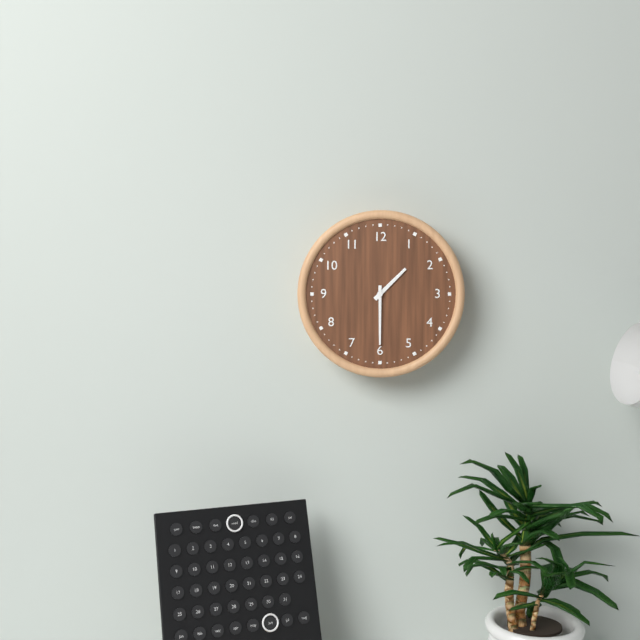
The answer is 1:30
